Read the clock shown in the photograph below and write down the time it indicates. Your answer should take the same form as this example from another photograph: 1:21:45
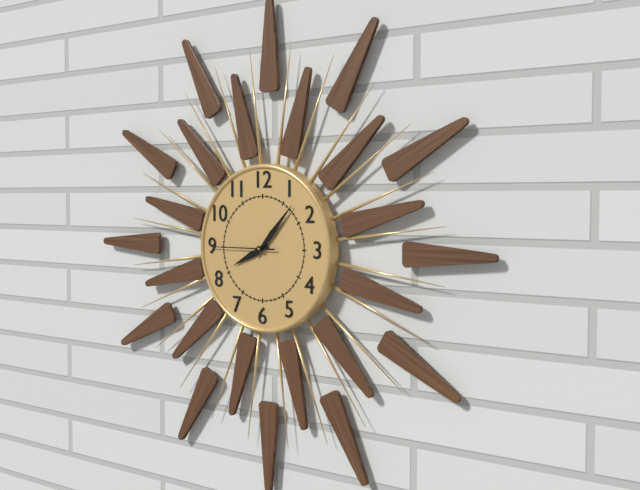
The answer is 8:07:45
